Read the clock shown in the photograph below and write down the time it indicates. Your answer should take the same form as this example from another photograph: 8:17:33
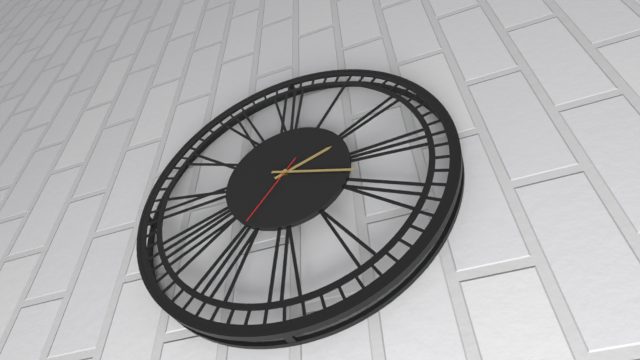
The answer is 2:18:36
